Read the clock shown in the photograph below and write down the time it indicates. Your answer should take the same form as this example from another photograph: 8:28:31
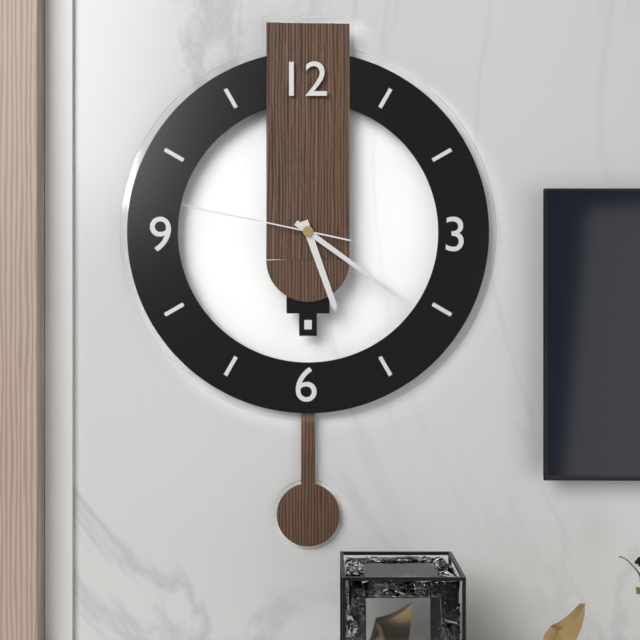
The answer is 5:21:47
